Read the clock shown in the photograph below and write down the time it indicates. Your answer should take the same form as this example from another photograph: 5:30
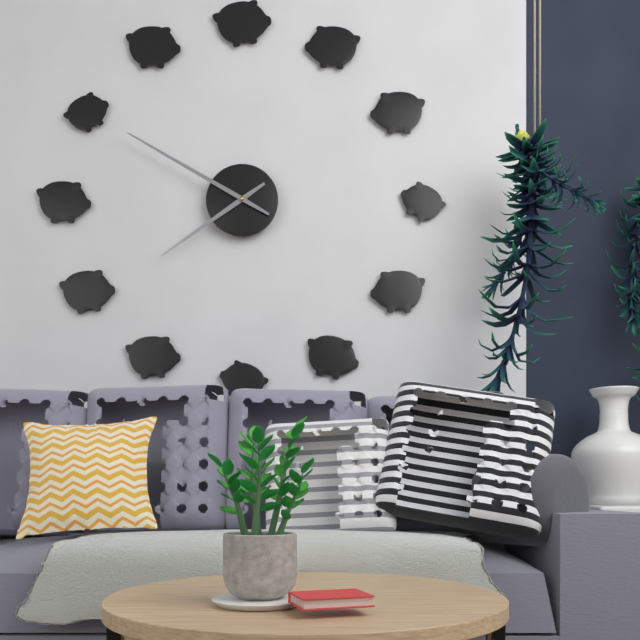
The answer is 7:50
